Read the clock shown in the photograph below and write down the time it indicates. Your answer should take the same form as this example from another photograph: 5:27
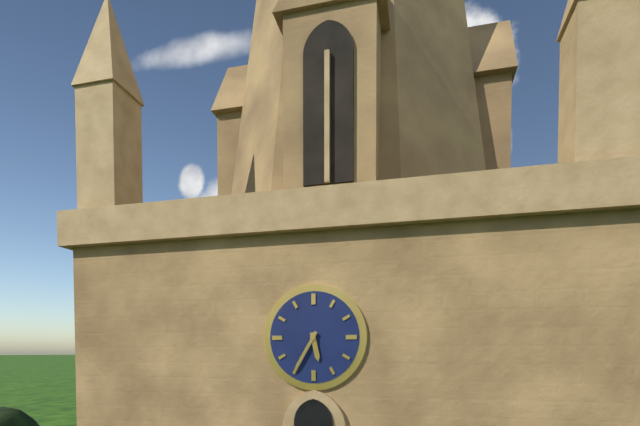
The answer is 5:35
